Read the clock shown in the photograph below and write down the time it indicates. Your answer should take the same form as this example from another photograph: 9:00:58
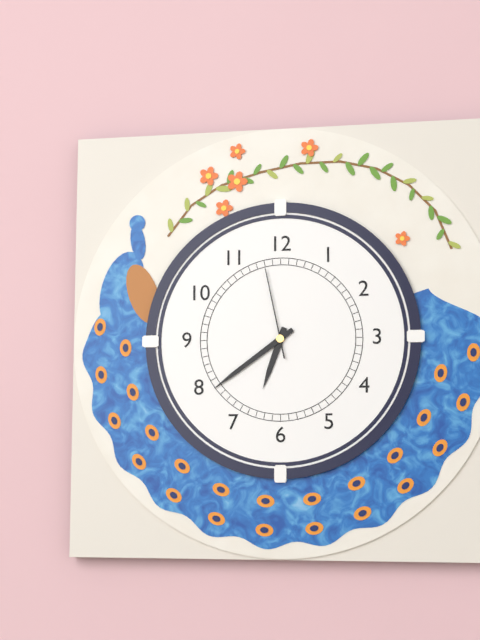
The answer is 6:39:58
